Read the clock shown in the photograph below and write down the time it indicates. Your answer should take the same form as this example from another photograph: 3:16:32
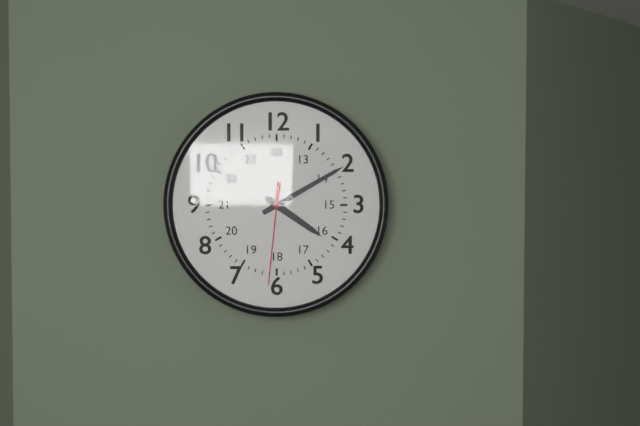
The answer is 4:10:31
